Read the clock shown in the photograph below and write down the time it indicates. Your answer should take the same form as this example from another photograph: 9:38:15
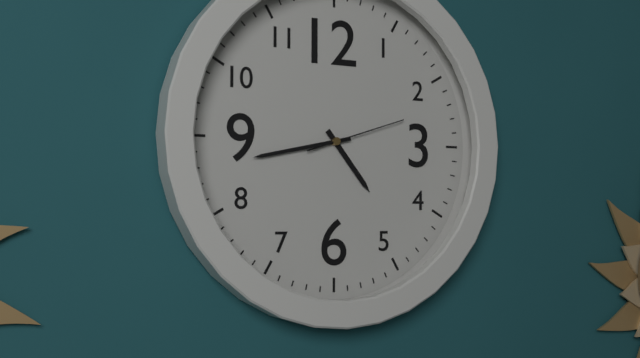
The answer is 4:43:12
